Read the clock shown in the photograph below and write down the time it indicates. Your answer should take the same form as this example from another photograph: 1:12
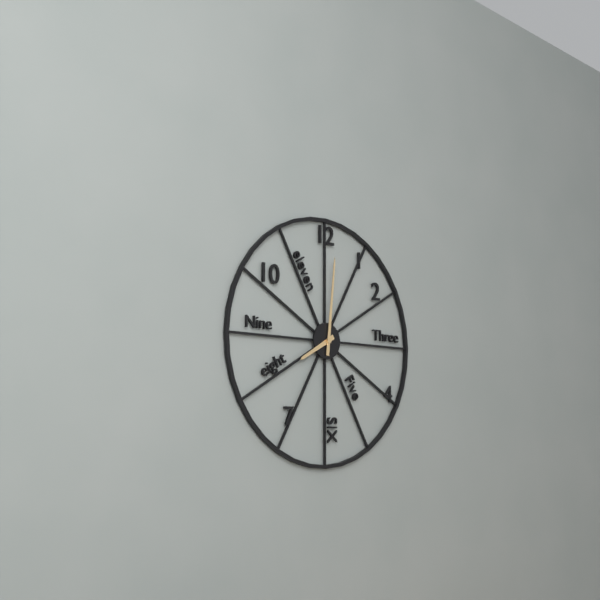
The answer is 8:01
